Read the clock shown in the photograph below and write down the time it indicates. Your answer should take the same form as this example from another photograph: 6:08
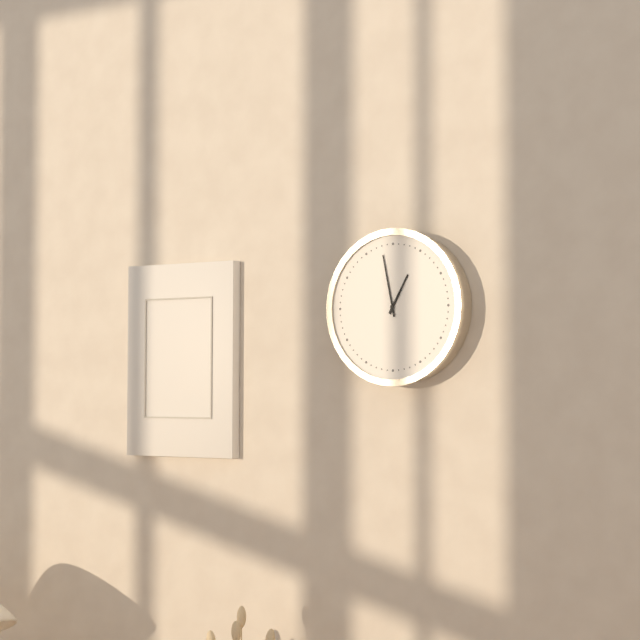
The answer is 12:58
